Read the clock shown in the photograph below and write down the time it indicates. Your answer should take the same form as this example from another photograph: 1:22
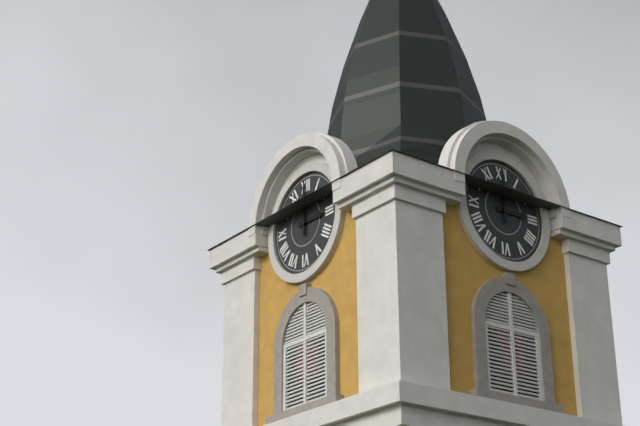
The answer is 3:00
